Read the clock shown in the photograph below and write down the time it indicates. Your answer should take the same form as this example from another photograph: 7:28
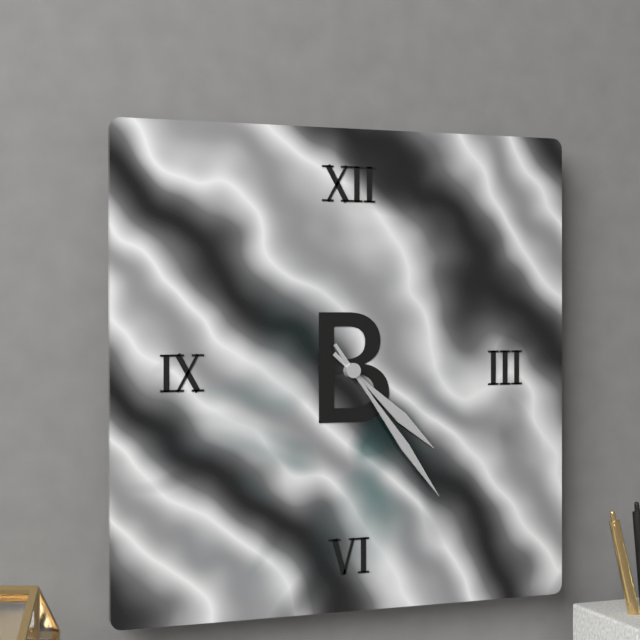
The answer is 4:24
